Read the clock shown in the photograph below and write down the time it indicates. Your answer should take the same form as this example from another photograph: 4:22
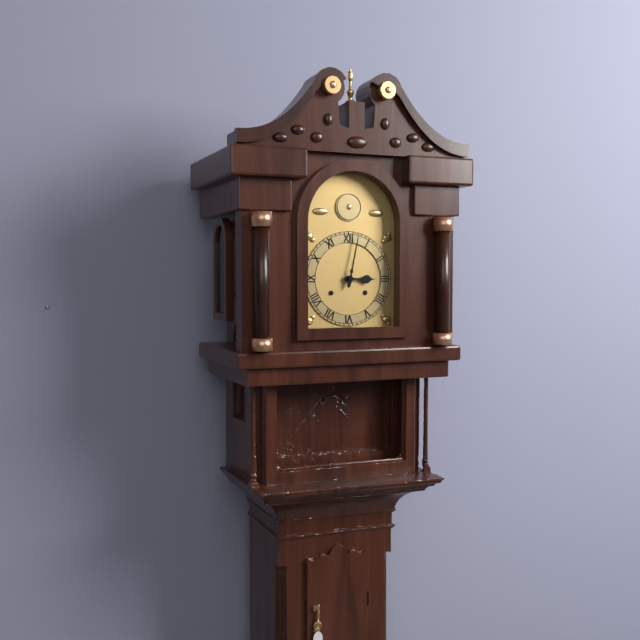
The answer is 3:02
